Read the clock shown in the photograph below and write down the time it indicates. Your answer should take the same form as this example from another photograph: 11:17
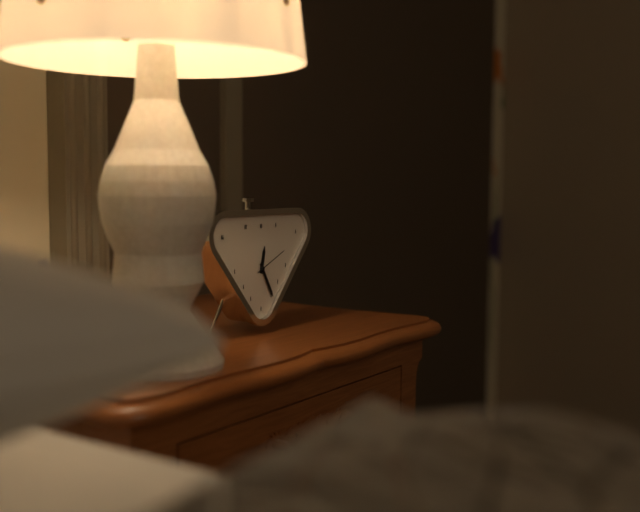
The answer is 12:25
